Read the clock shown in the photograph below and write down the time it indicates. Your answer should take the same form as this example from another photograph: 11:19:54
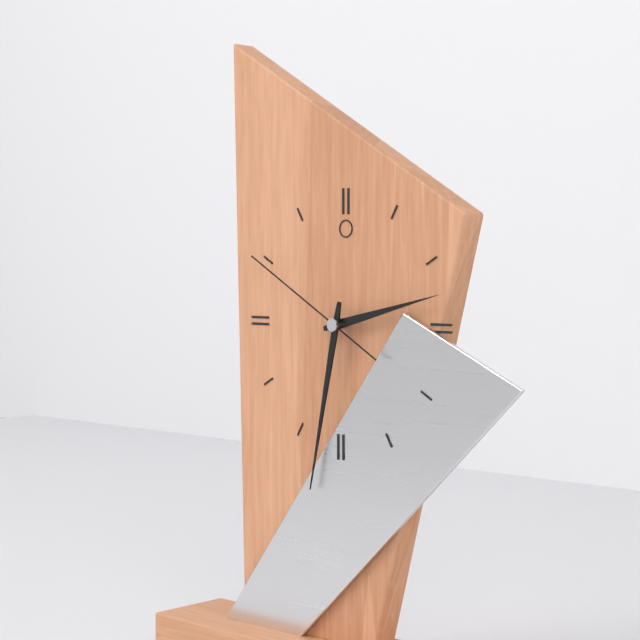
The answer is 2:32:50
